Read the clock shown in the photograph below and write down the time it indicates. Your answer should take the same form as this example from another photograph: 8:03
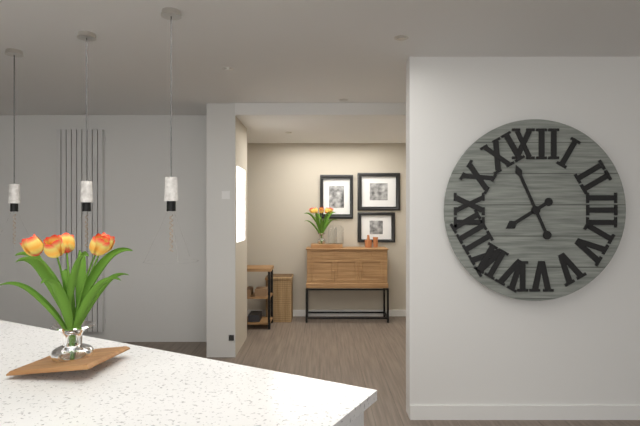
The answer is 7:56
